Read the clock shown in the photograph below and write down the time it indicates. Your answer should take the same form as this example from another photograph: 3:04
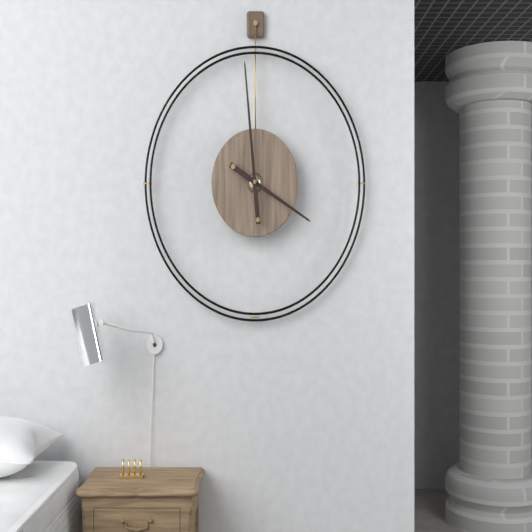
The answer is 3:59
